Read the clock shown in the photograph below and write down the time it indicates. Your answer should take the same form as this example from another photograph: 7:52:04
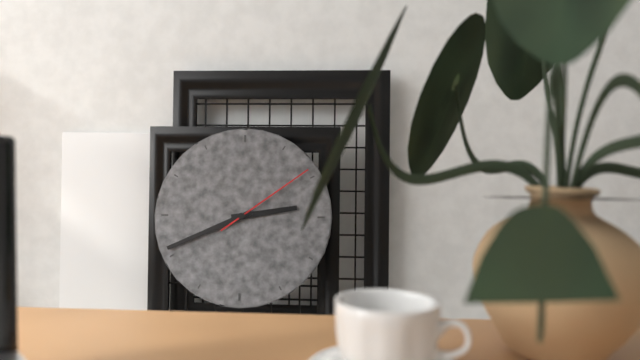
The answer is 2:41:09
